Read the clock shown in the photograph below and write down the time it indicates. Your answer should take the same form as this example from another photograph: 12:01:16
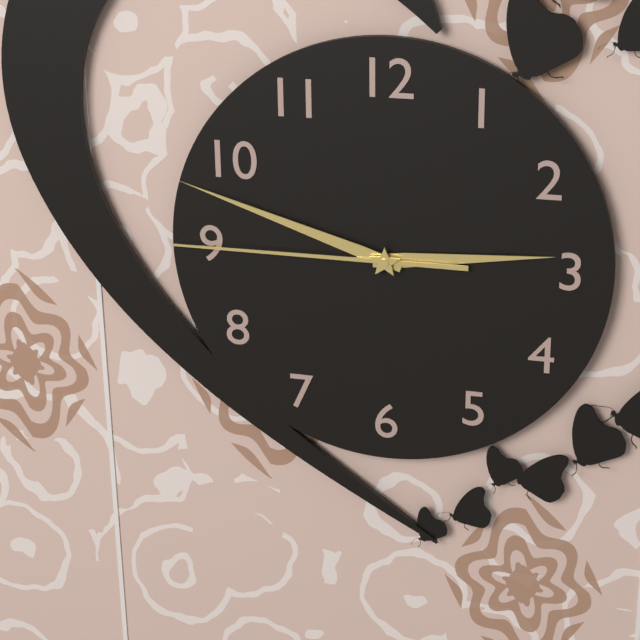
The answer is 2:48:45
